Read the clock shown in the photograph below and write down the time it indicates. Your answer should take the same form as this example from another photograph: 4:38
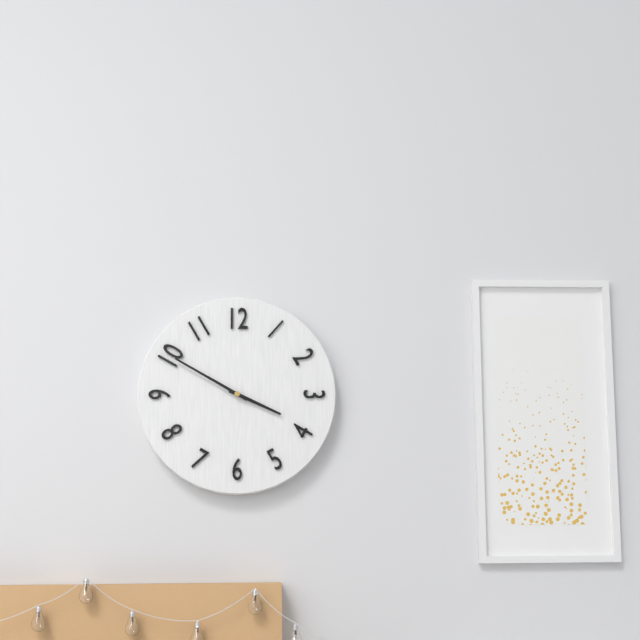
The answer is 3:50
